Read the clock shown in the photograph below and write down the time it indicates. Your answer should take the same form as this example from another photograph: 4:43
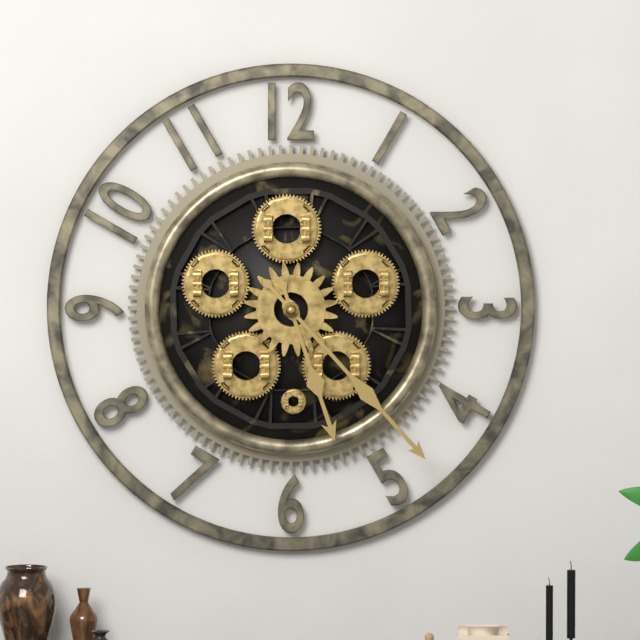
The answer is 5:23
